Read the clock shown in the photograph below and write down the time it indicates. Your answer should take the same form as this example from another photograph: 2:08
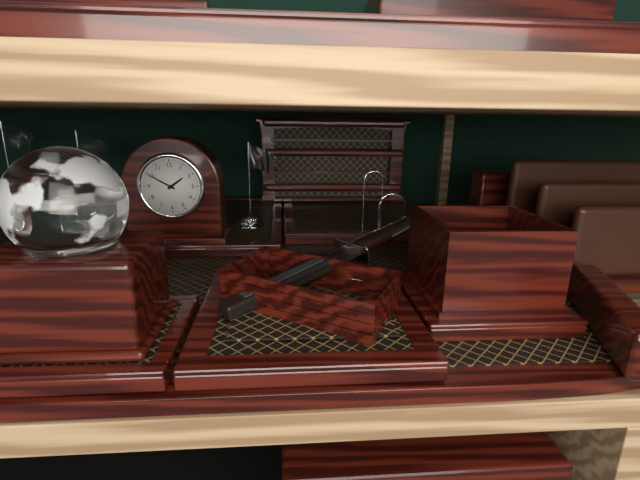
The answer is 1:50
